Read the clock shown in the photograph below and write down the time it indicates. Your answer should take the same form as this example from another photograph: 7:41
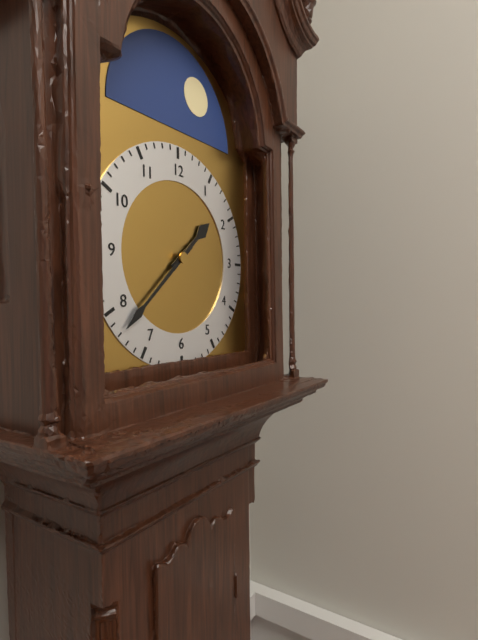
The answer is 1:38
